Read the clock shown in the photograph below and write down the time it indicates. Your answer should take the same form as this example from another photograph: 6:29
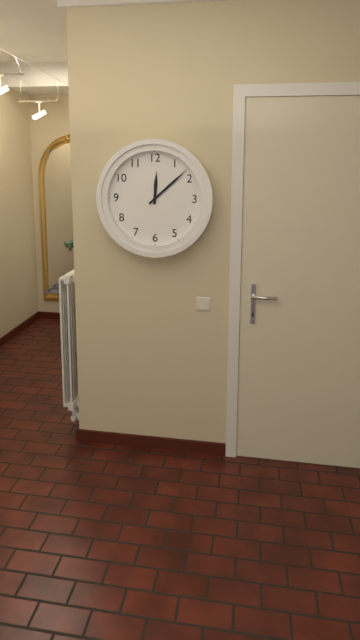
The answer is 12:08
